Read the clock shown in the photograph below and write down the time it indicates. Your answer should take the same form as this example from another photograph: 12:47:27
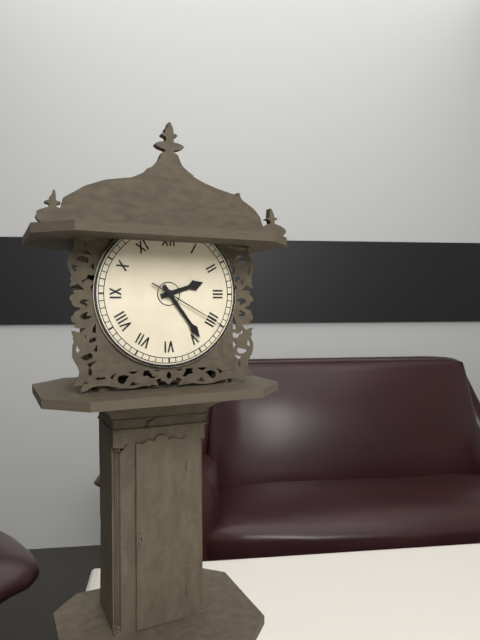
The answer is 2:24:20
